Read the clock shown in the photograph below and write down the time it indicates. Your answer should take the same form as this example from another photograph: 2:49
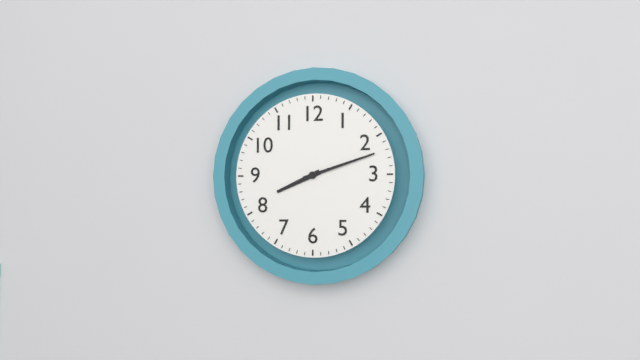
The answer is 8:12
